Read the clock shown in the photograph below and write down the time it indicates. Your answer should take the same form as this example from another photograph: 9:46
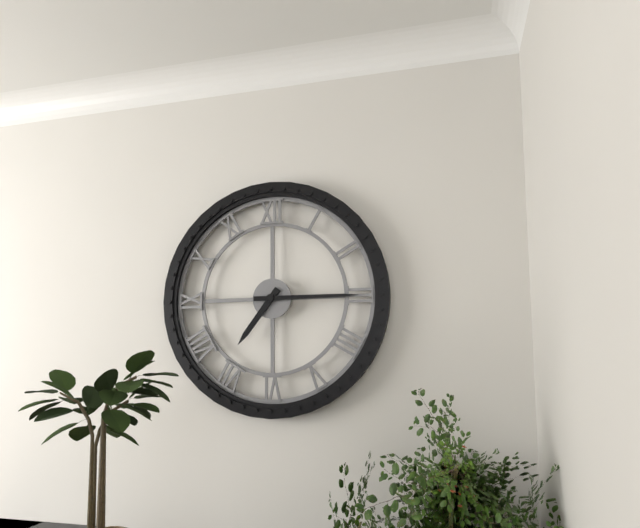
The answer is 7:15
